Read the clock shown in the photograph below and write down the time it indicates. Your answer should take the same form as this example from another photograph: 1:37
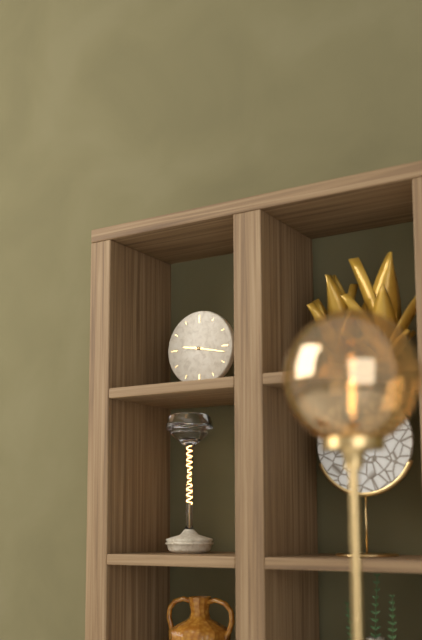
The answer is 9:17
